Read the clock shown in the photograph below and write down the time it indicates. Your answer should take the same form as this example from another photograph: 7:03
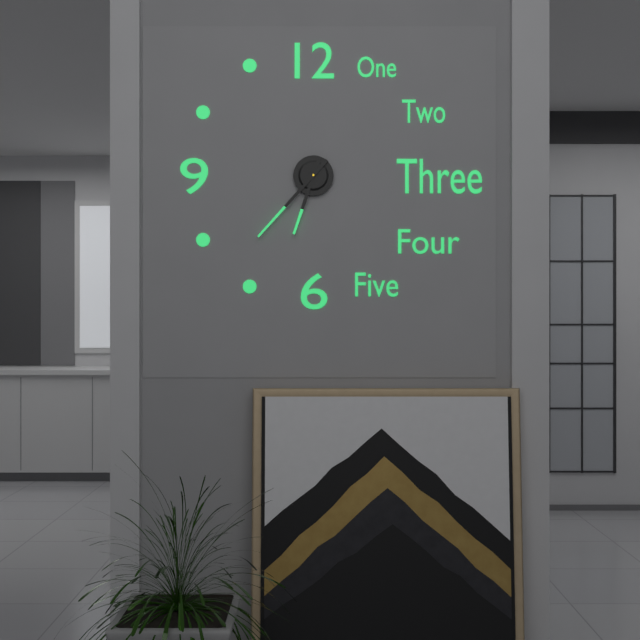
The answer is 6:37
